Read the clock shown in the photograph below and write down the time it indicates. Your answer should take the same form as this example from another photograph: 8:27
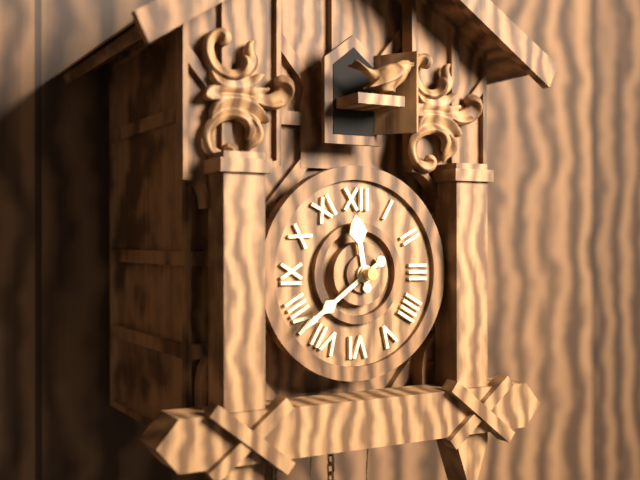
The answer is 11:39
